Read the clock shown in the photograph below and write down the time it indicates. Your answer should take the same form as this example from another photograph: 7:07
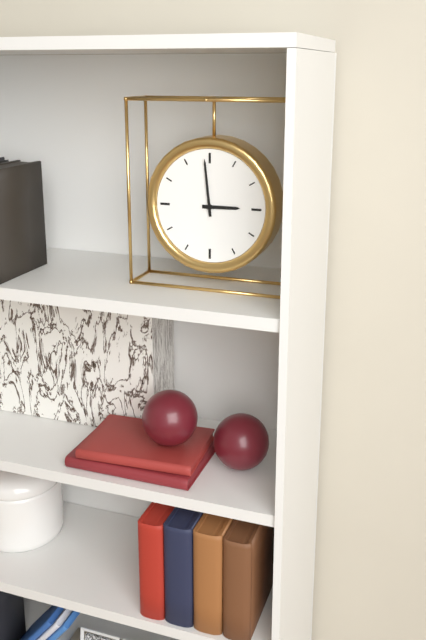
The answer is 2:59
